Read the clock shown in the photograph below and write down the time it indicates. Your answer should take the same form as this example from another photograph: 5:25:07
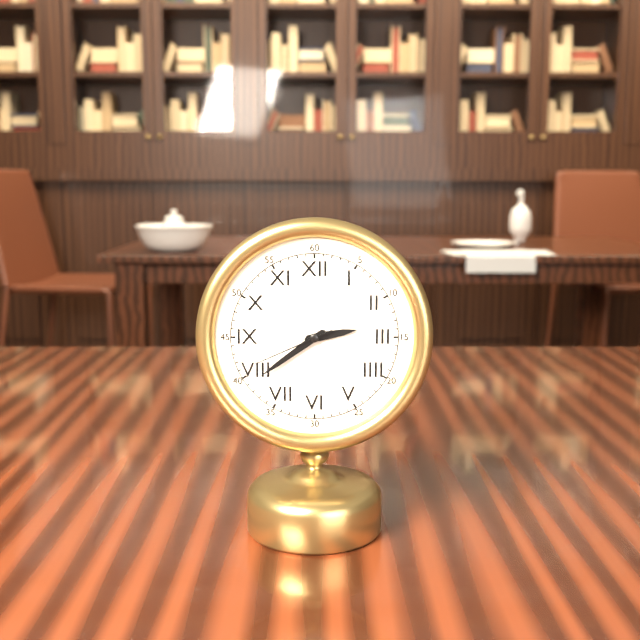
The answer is 2:39:41
